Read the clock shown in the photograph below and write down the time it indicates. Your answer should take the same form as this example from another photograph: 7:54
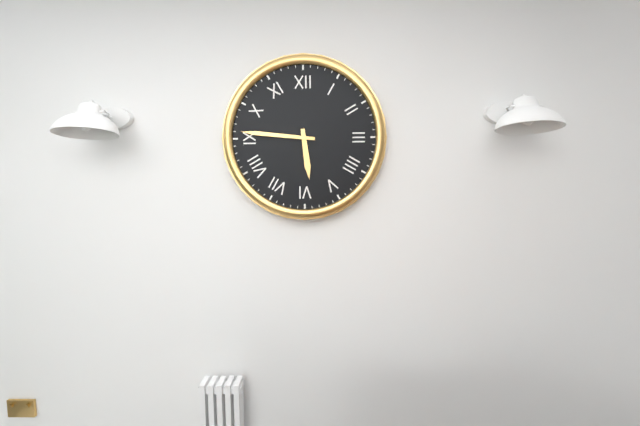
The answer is 5:46
